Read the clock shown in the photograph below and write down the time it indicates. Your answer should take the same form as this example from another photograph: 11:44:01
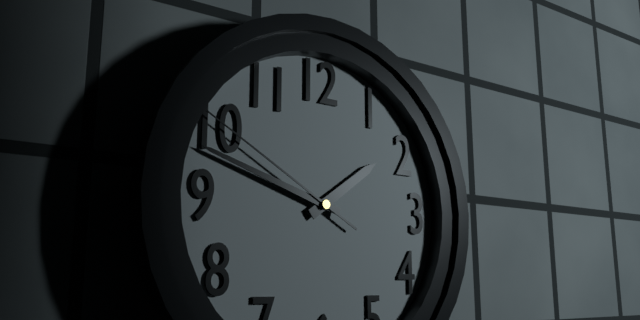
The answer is 1:48:50
